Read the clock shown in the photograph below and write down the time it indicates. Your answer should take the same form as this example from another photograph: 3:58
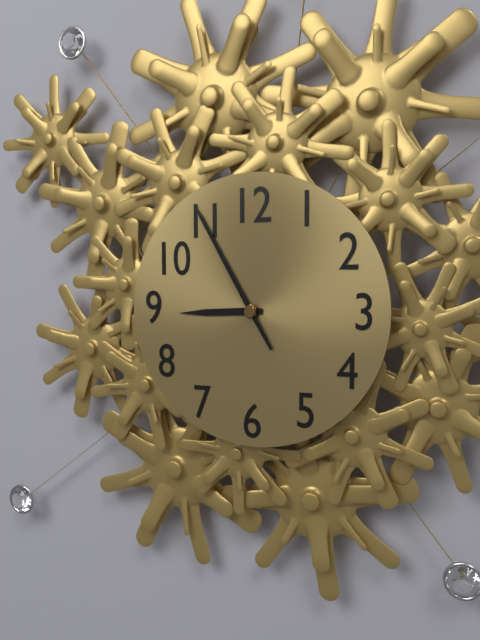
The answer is 8:55
